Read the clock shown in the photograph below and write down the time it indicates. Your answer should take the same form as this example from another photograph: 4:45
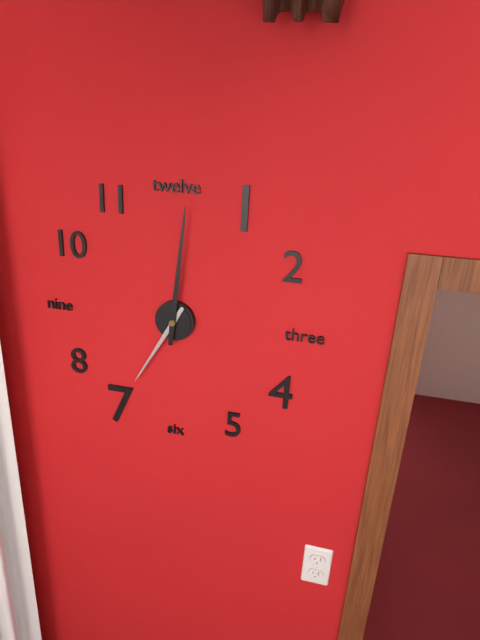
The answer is 7:01
